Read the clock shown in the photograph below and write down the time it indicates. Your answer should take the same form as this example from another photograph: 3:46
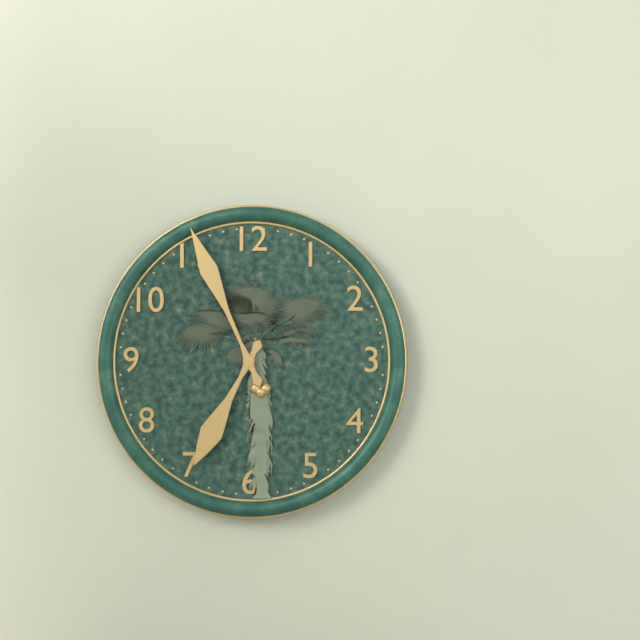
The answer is 6:56
